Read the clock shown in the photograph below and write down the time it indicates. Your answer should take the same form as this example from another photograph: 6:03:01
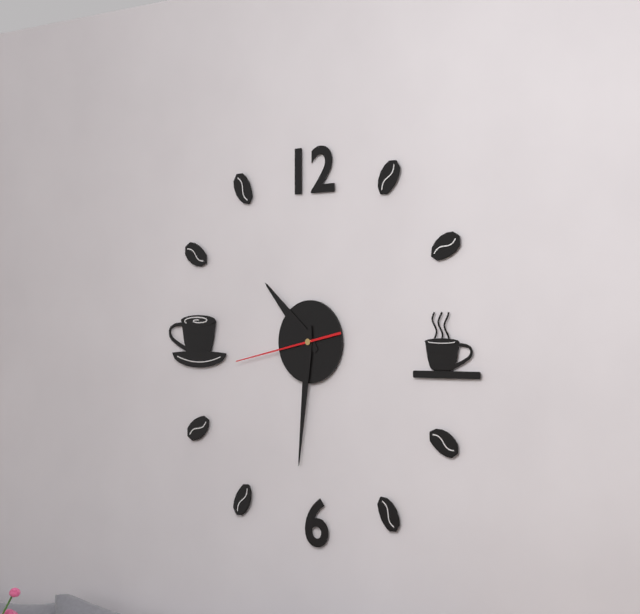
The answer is 10:31:43
